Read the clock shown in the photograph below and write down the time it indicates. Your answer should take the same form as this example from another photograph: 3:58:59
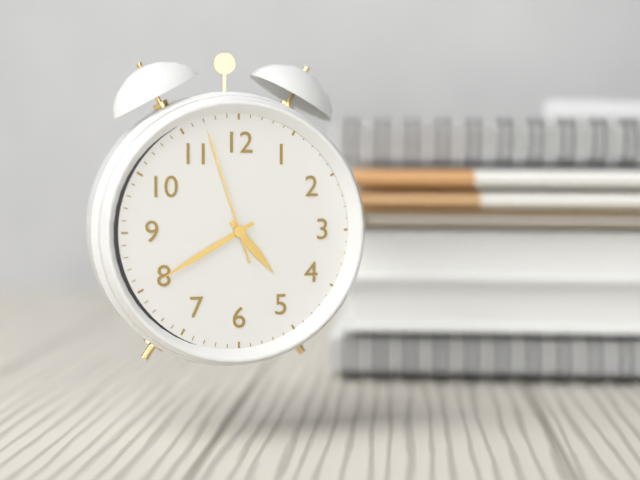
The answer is 4:40:57
